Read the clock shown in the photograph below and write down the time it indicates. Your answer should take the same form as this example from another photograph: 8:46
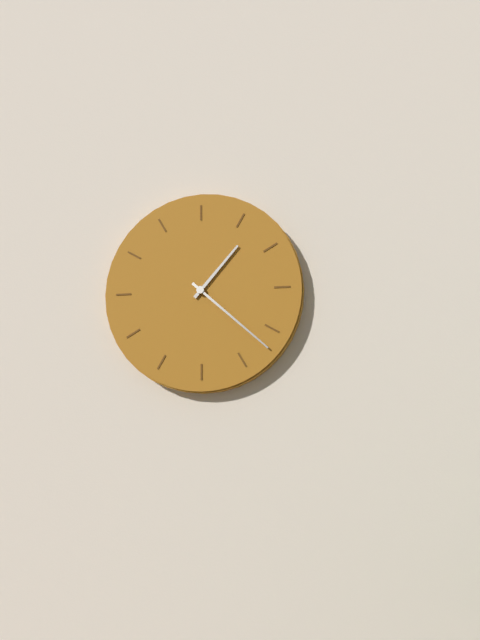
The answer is 1:22
